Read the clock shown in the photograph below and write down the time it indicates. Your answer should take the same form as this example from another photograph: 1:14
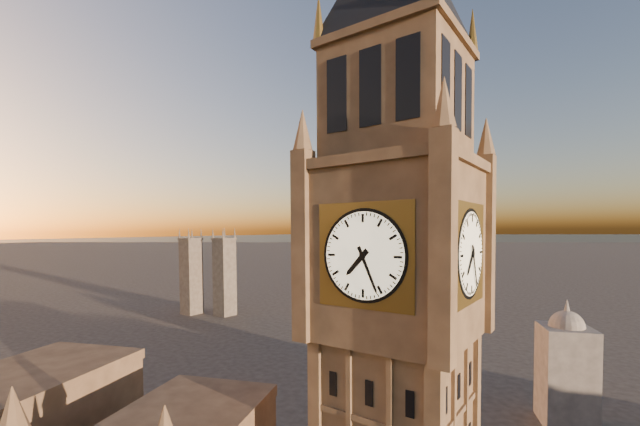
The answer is 7:26
